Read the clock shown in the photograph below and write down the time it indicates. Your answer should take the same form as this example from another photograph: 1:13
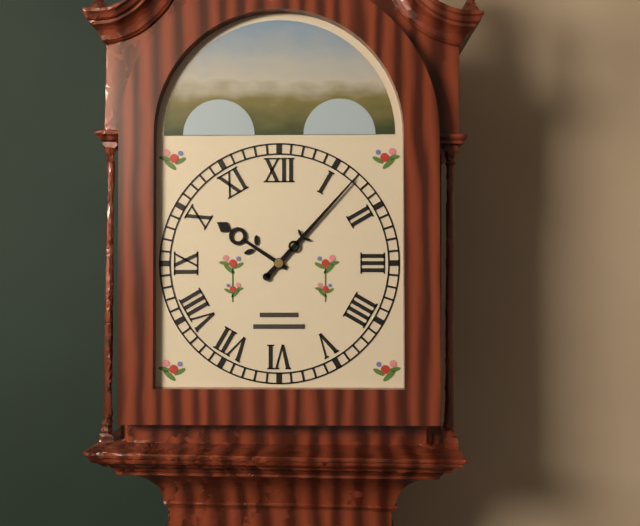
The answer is 10:07
